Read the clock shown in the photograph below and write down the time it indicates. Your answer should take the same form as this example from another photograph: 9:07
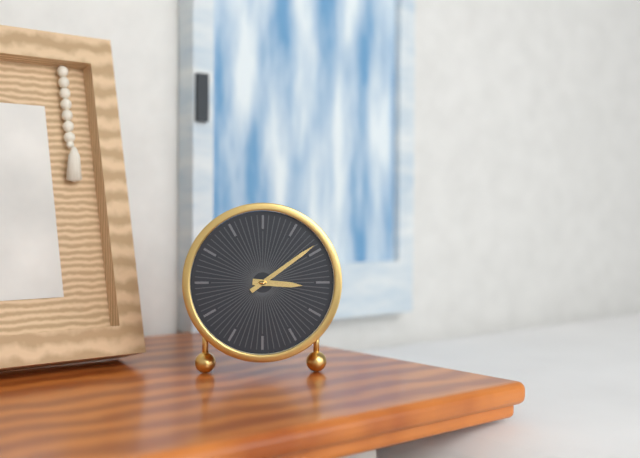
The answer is 3:09
